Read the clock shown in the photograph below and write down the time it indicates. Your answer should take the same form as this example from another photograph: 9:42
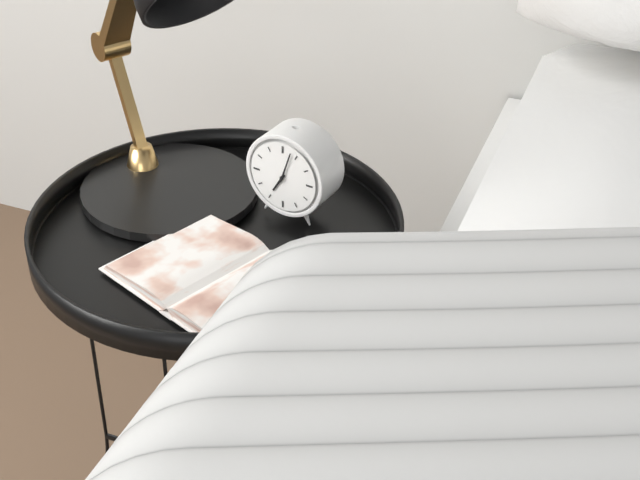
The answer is 7:03
